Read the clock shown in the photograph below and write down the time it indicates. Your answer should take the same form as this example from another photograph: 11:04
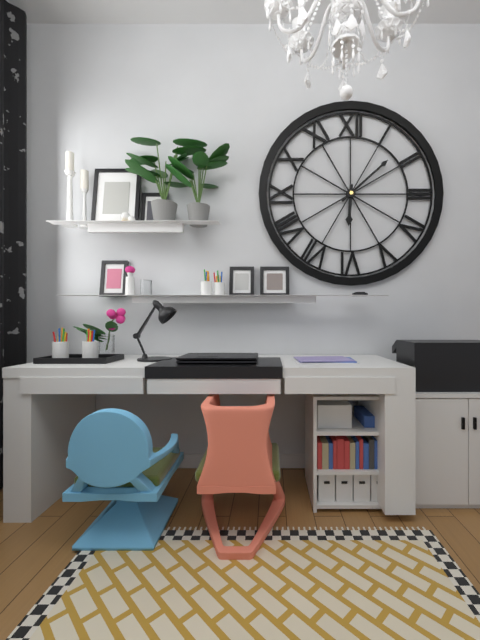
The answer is 6:08
